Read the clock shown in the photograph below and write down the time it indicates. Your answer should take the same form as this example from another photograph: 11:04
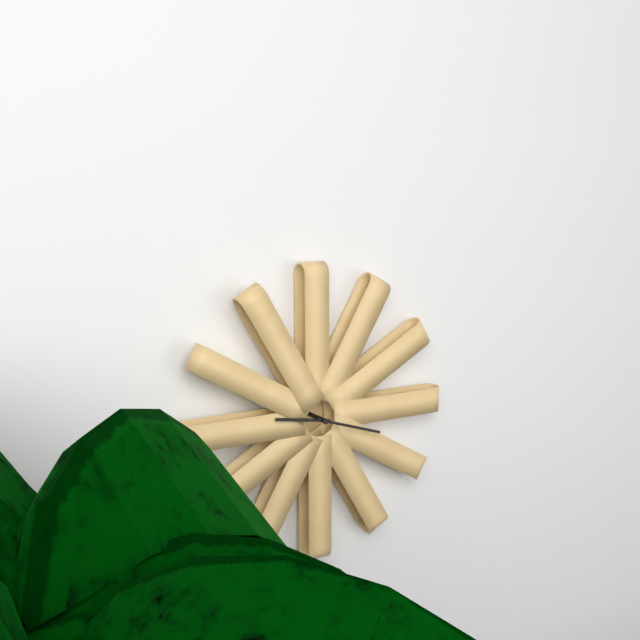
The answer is 9:18
